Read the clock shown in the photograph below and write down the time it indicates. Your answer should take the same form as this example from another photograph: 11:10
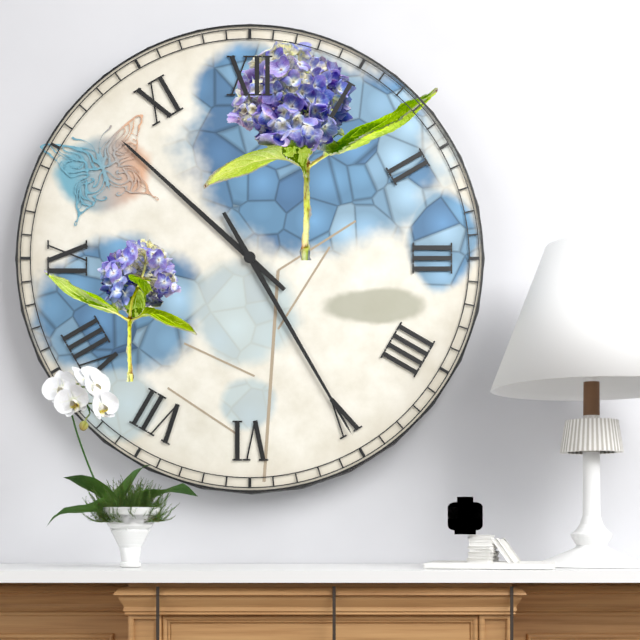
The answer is 10:25
